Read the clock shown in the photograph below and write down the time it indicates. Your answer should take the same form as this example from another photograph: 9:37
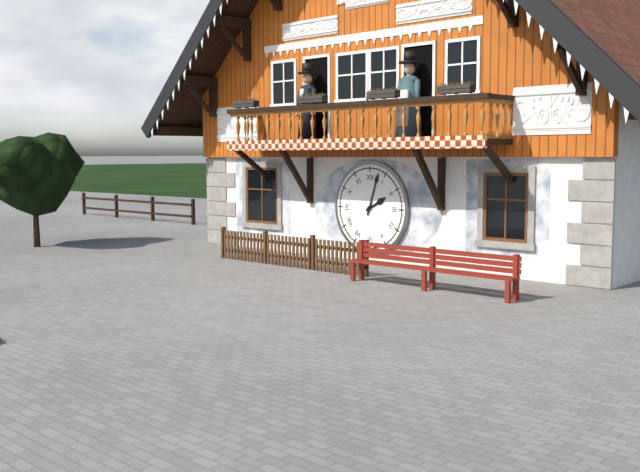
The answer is 2:03
